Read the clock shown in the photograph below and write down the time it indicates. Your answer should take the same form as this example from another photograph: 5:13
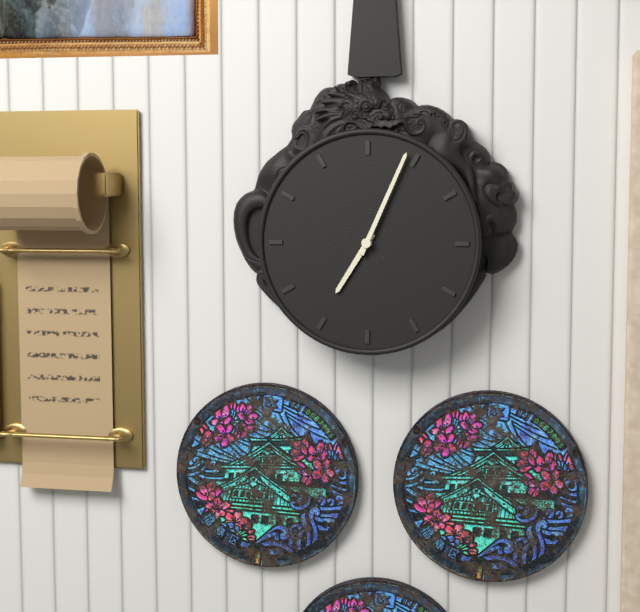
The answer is 7:04
